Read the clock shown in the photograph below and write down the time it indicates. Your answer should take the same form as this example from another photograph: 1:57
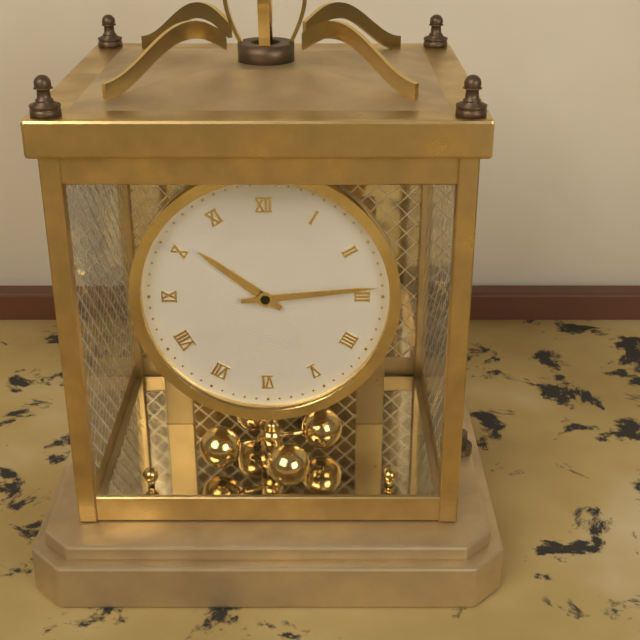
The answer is 10:14
